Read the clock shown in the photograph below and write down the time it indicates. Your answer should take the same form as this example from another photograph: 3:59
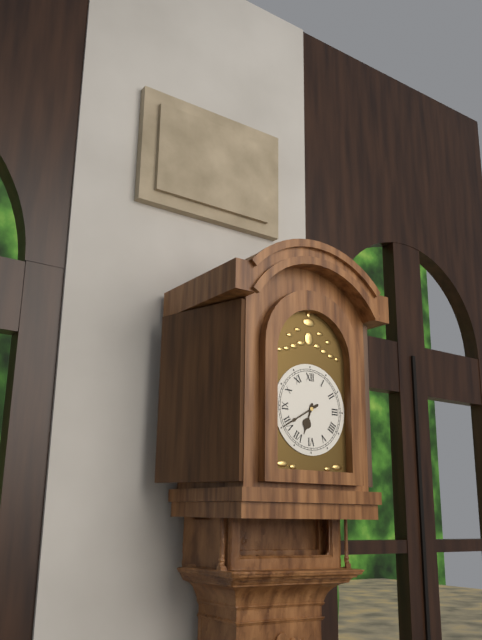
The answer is 6:40
